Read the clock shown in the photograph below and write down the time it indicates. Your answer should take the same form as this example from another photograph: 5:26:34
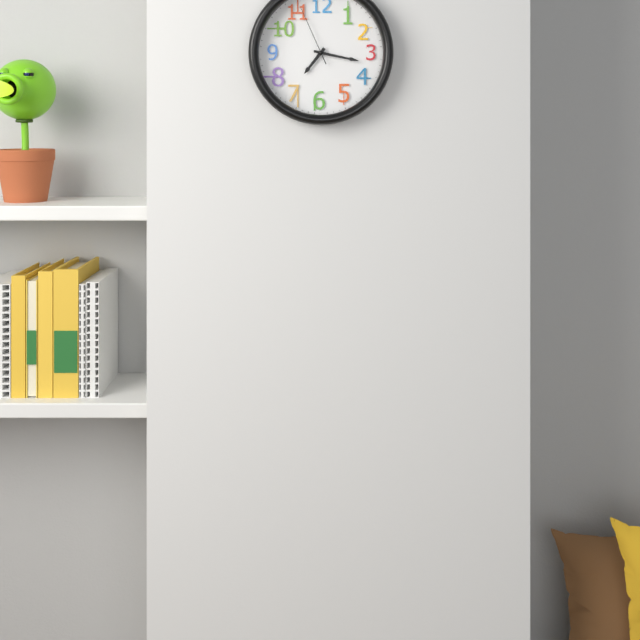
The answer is 7:17:56
